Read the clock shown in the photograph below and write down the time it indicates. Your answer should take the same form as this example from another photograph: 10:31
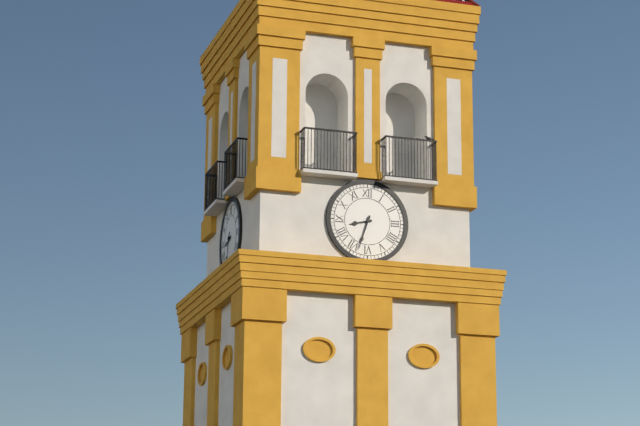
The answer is 8:33
